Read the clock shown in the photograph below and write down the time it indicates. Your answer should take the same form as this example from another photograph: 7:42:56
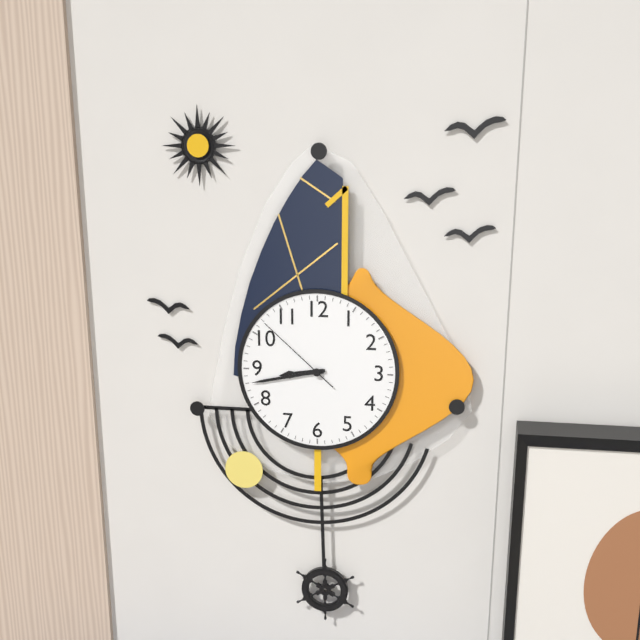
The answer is 8:43:52
